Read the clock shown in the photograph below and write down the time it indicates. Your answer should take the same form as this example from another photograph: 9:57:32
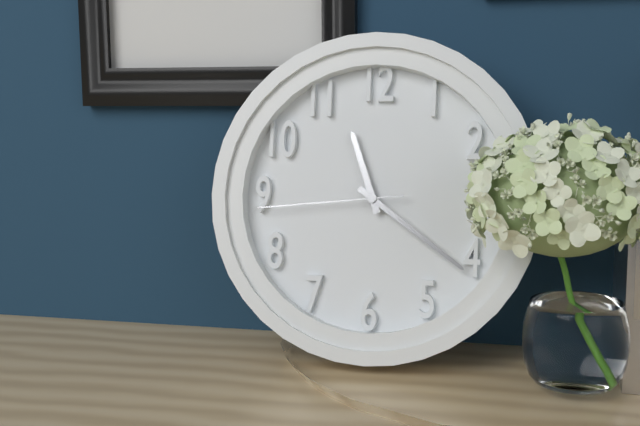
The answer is 11:21:44
